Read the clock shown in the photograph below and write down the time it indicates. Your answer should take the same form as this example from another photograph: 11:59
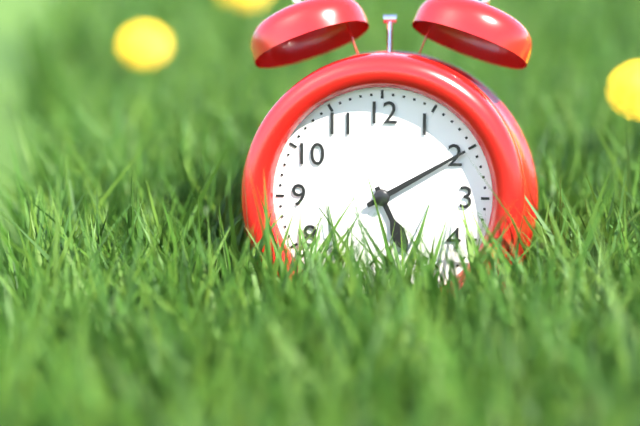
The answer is 5:10
